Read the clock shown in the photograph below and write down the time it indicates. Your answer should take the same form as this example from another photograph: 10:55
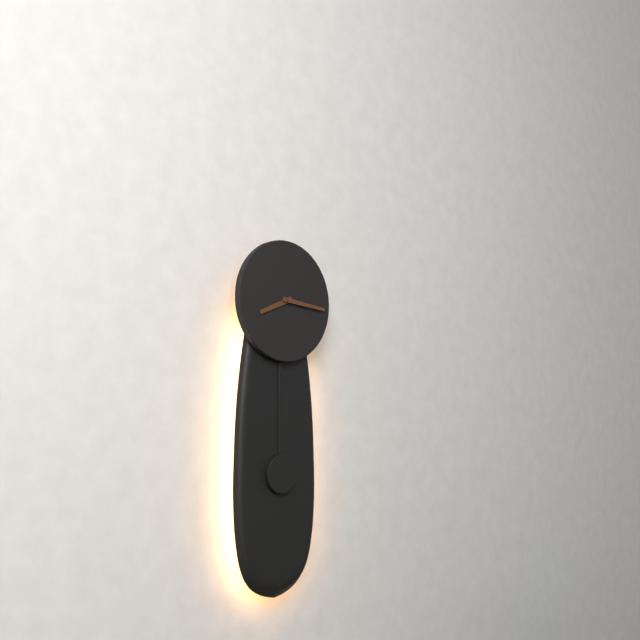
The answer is 8:16
